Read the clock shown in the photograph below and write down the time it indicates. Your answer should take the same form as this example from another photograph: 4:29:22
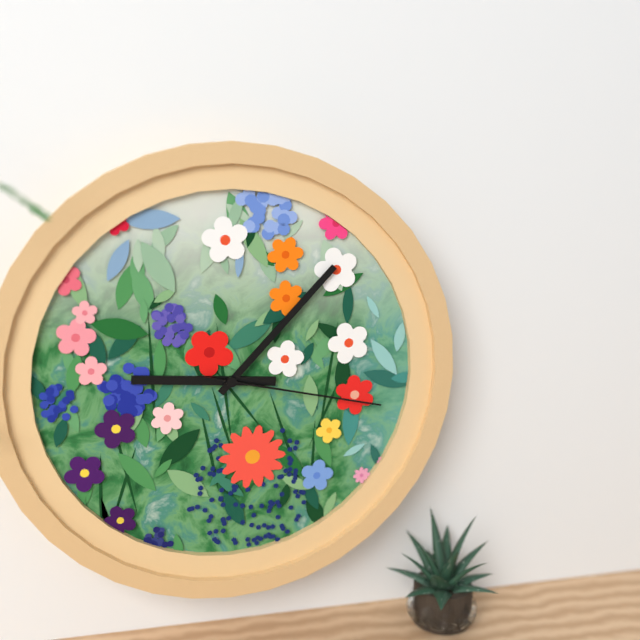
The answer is 9:07:17
